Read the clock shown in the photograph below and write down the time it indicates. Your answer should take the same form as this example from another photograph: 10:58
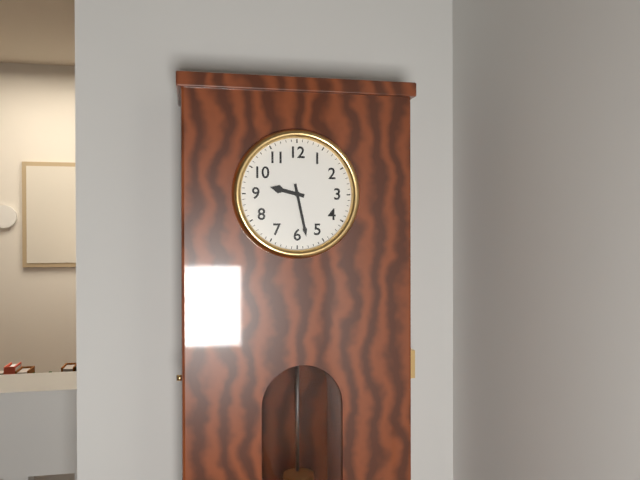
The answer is 9:28
